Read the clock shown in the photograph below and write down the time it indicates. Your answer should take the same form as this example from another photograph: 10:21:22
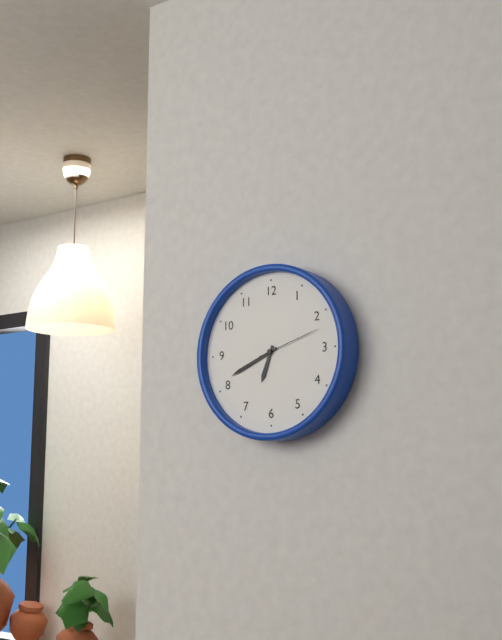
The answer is 6:41:12
